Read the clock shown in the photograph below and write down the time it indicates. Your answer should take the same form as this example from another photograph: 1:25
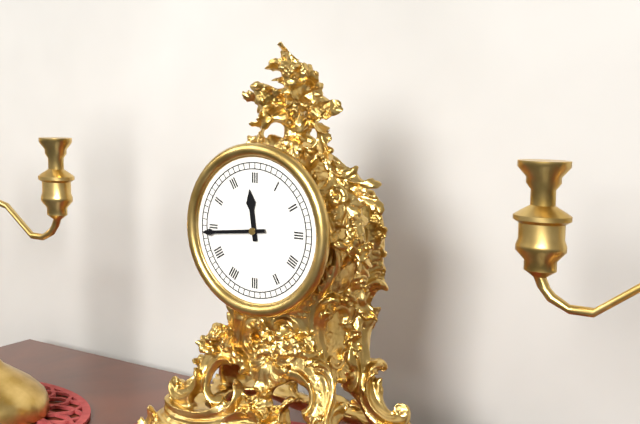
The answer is 11:44
